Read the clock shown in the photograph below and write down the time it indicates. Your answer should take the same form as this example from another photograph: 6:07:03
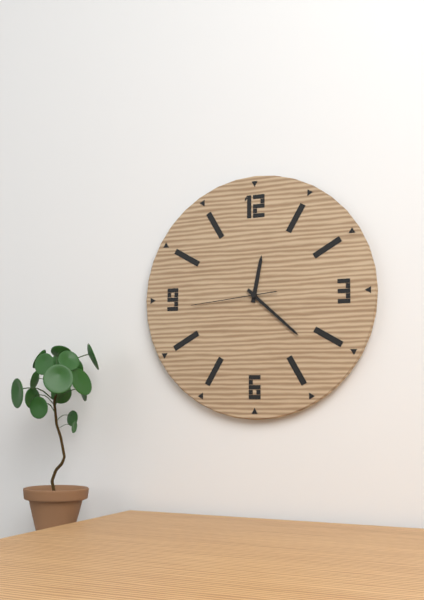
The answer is 12:22:44
